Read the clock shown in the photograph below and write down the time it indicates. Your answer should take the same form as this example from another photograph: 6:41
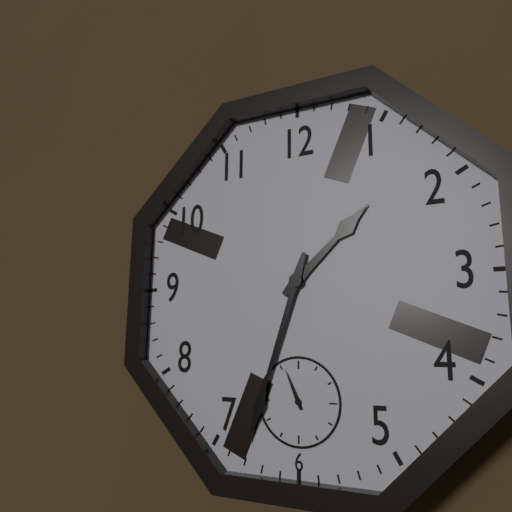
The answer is 1:33
